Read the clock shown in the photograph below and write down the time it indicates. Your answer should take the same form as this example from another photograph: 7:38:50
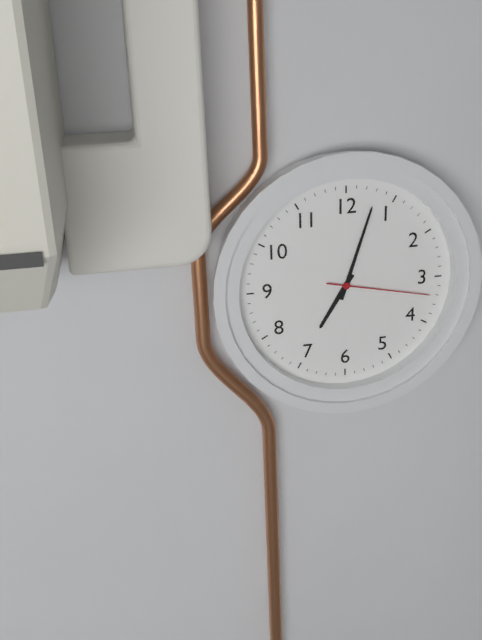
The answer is 7:03:17
